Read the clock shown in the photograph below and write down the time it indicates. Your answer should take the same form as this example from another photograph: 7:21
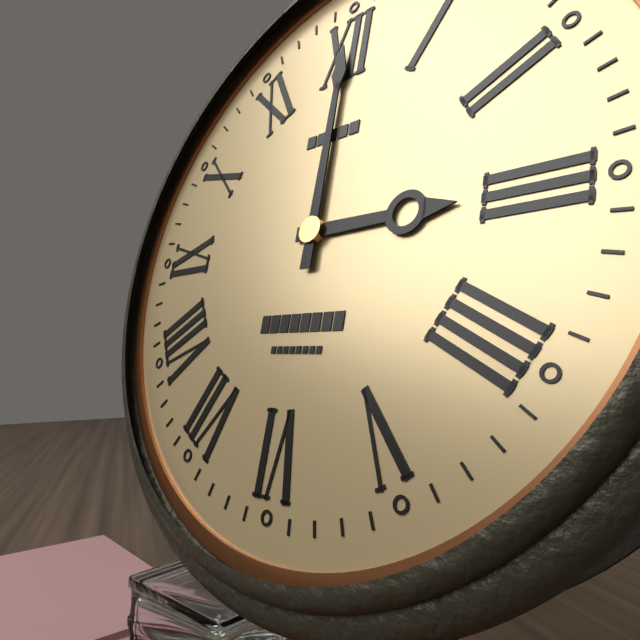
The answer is 3:00
